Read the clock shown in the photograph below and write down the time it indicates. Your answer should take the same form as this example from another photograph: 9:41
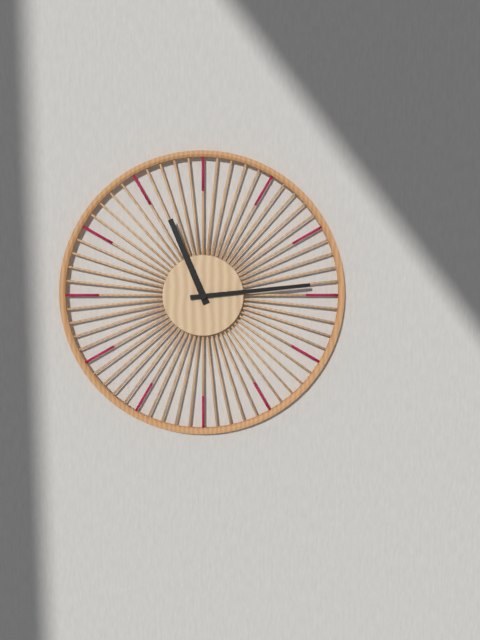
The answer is 11:14
